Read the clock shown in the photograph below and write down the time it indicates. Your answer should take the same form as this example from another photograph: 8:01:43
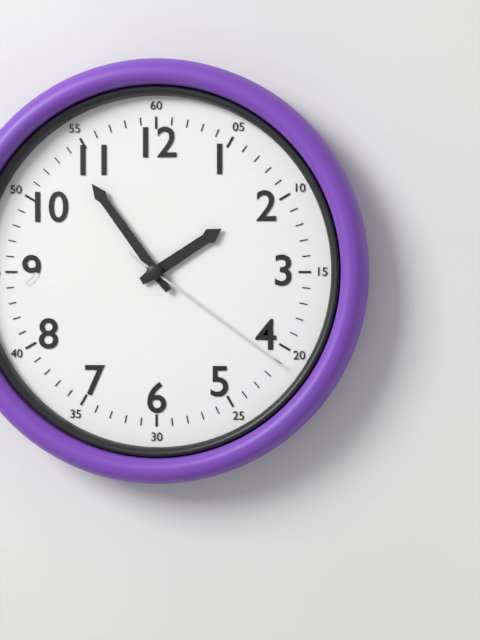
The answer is 1:54:21
